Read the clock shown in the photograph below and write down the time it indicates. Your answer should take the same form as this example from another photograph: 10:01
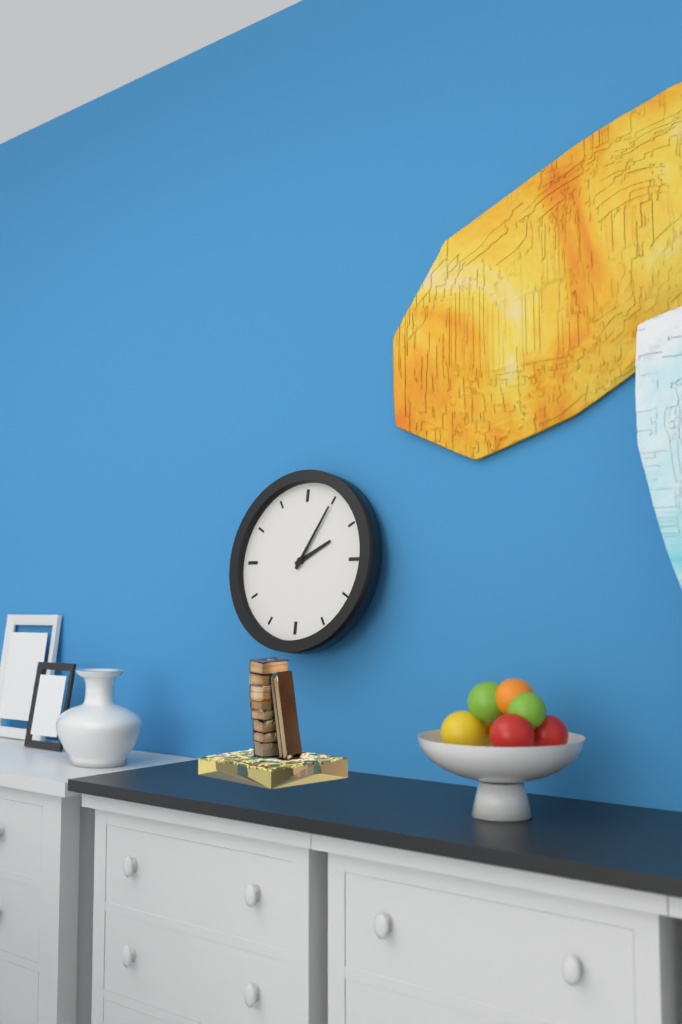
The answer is 2:05
